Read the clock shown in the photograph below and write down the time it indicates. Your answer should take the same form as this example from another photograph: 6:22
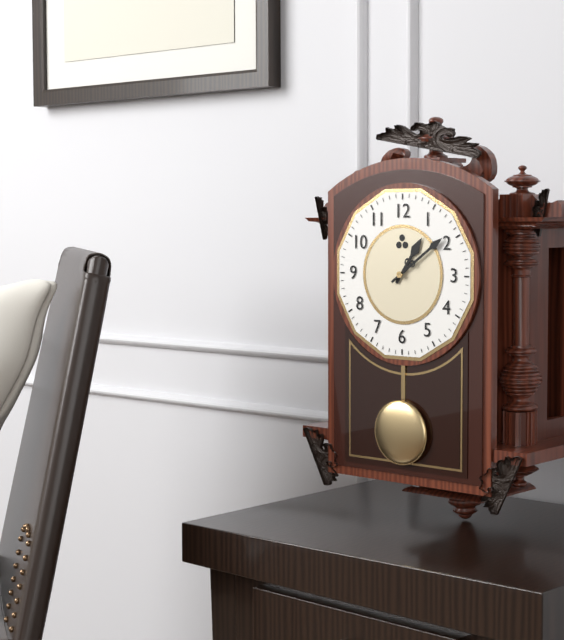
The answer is 1:09
